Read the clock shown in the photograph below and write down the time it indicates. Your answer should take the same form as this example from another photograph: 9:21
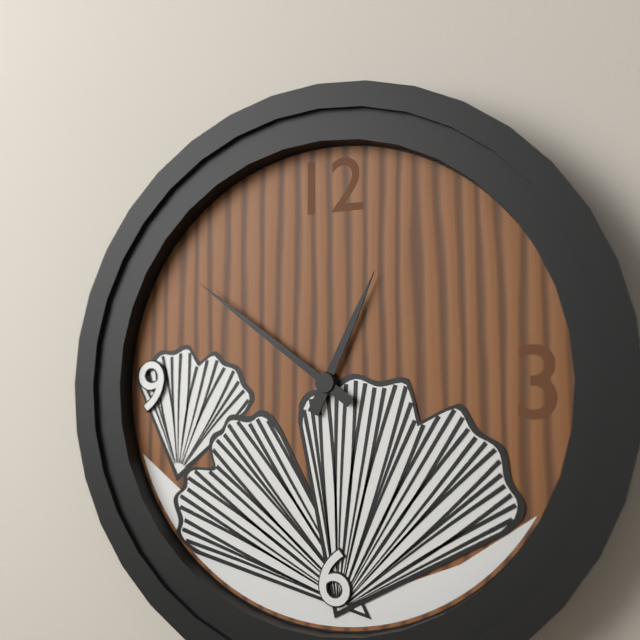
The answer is 12:51
